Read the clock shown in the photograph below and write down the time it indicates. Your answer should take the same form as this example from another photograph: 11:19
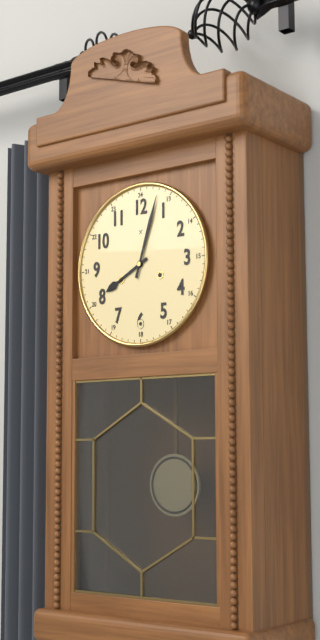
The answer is 8:03
